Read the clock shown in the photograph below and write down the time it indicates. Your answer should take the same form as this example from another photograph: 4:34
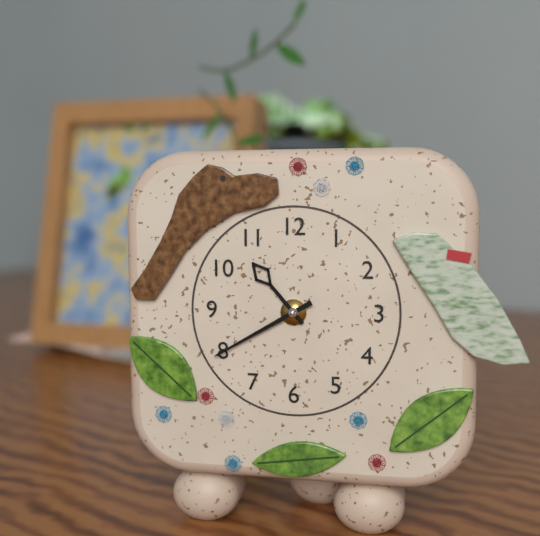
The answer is 10:40
